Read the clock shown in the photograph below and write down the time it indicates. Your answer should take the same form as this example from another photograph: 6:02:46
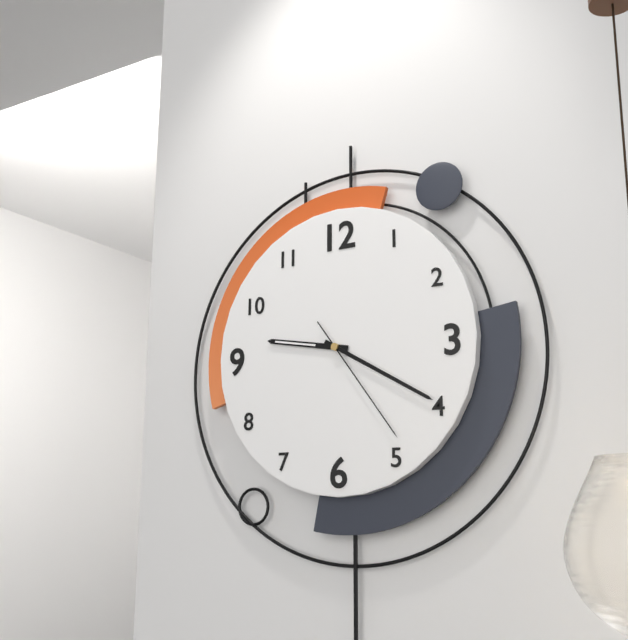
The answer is 9:20:24
